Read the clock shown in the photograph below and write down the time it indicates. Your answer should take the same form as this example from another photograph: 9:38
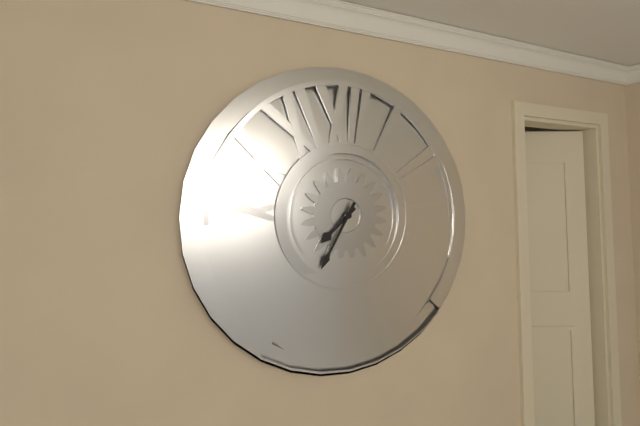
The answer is 7:35
